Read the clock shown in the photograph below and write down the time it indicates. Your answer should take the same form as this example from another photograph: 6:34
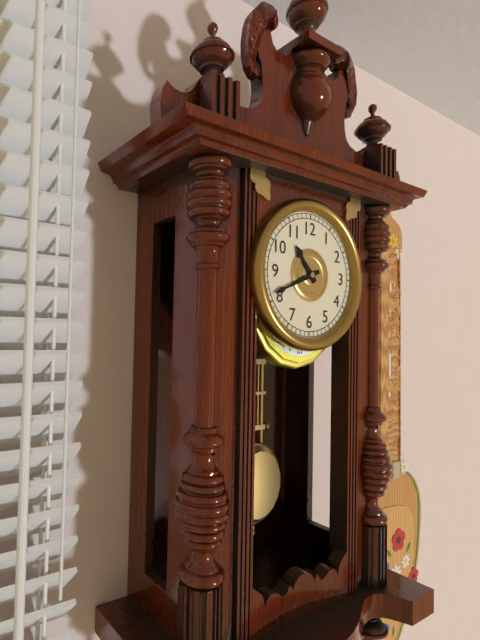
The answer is 10:41
